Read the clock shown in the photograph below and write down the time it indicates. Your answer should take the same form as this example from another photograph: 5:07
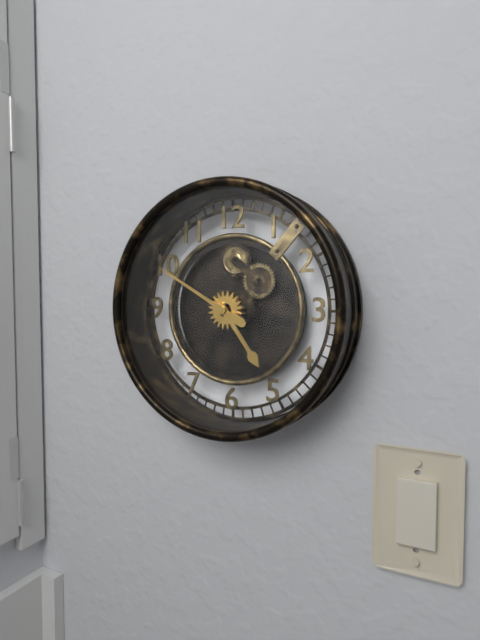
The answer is 4:50
